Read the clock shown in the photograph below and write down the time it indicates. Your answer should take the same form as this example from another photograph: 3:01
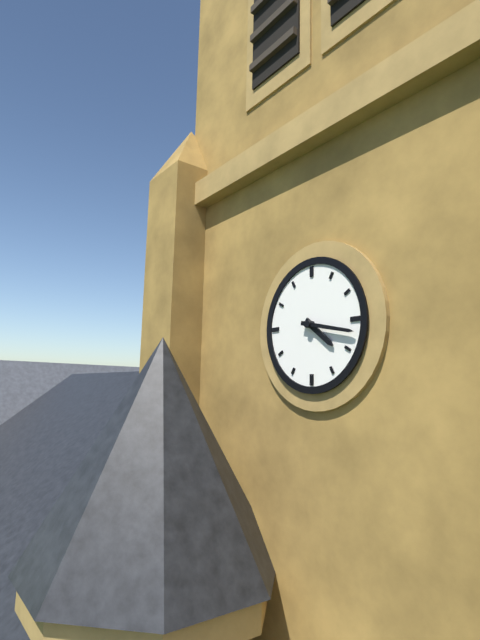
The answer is 4:17
